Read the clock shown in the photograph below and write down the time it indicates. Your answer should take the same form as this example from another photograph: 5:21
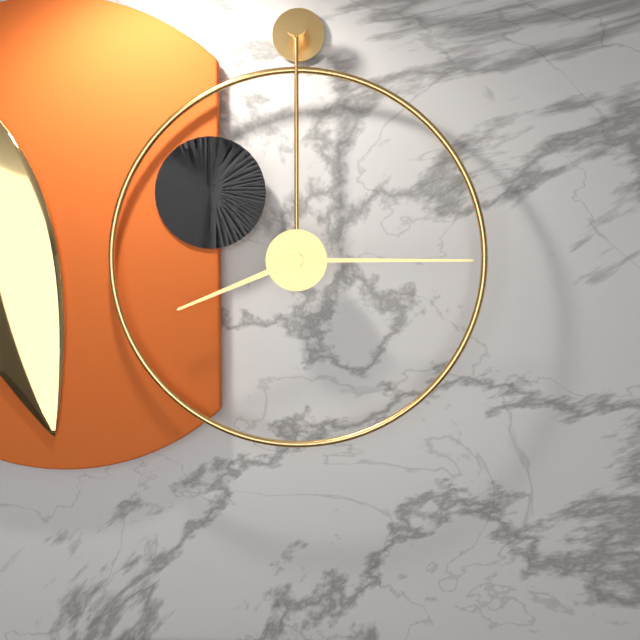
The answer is 8:15
